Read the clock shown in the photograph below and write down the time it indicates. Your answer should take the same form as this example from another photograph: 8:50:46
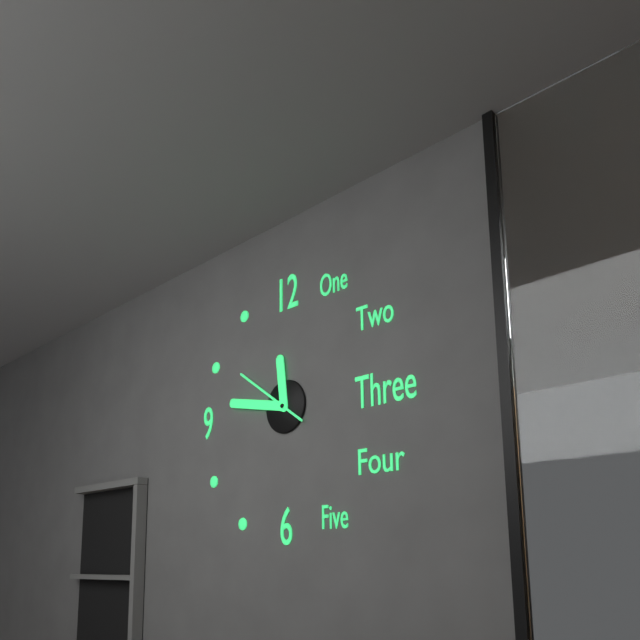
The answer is 11:47:51
